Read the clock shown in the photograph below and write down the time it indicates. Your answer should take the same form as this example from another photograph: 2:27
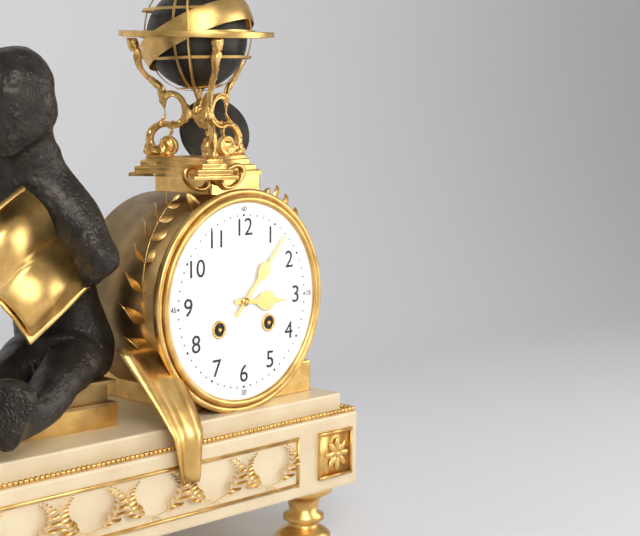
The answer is 3:07
